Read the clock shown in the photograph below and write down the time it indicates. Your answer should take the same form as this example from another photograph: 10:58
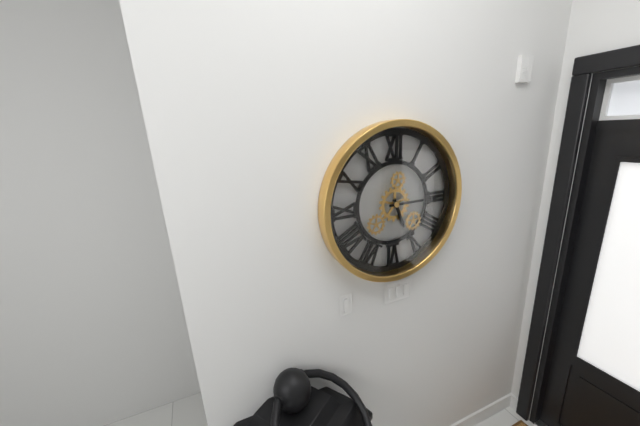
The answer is 5:15
